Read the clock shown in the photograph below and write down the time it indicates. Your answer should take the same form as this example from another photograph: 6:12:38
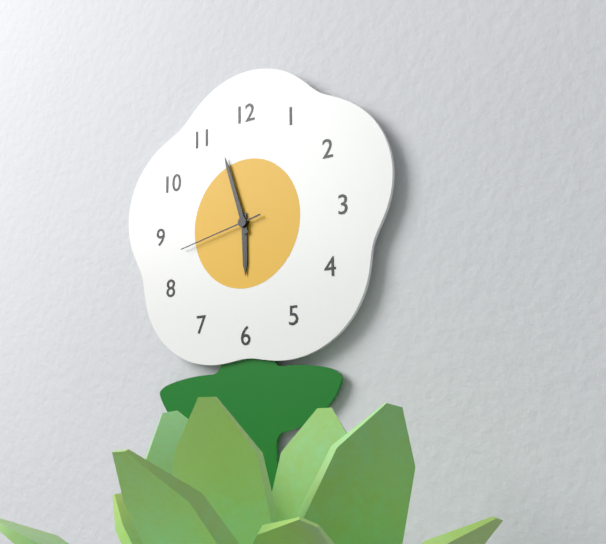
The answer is 5:57:43
